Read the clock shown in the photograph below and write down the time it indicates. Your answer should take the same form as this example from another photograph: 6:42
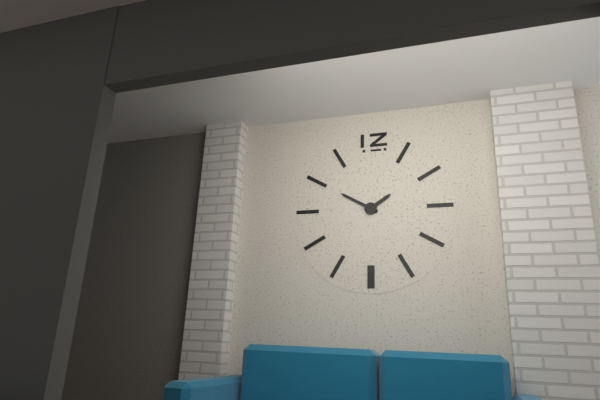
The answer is 1:50
